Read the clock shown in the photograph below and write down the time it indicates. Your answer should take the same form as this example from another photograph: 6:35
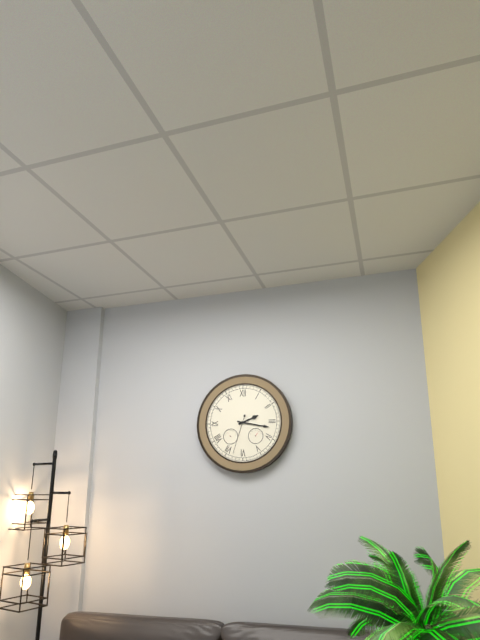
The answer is 2:17
